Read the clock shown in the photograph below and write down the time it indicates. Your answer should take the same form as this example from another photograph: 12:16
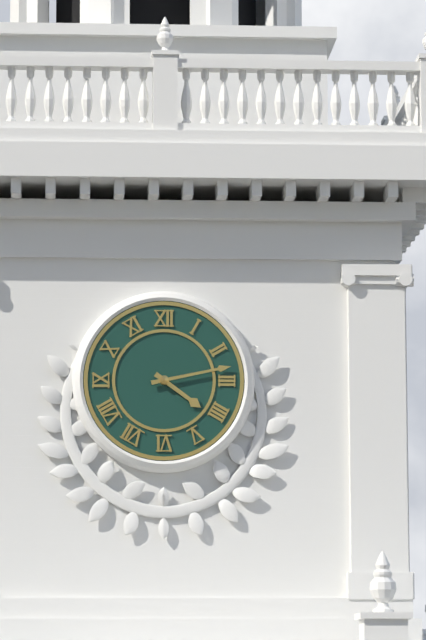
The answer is 4:13
